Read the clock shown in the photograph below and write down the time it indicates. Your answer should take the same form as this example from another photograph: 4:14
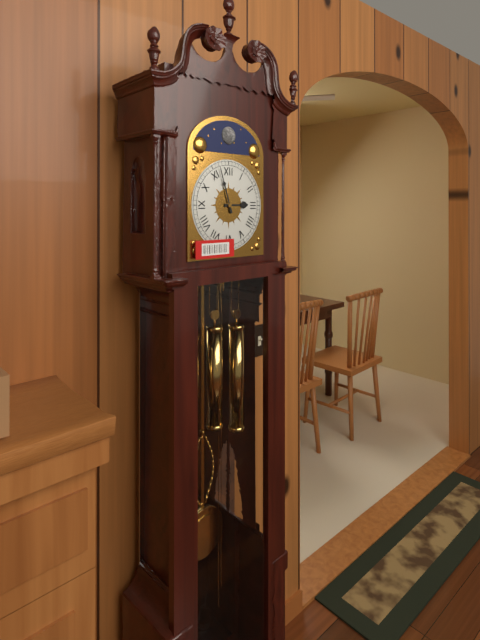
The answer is 2:57
